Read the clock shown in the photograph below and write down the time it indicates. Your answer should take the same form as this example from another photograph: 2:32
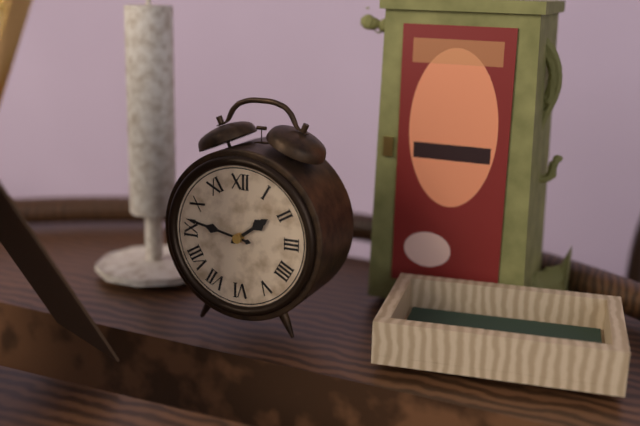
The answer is 1:47
